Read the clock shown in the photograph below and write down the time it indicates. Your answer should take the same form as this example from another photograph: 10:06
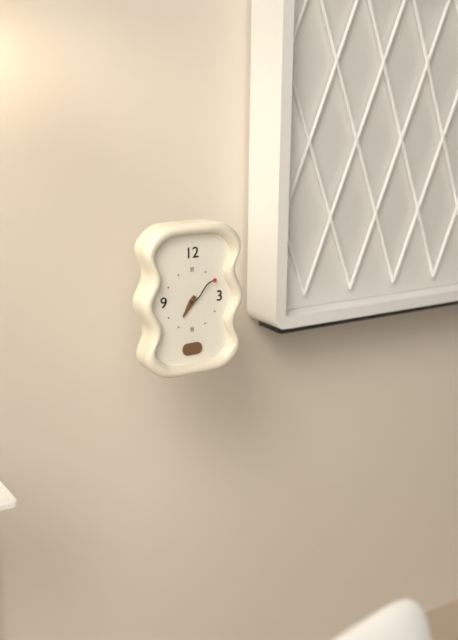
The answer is 7:09
